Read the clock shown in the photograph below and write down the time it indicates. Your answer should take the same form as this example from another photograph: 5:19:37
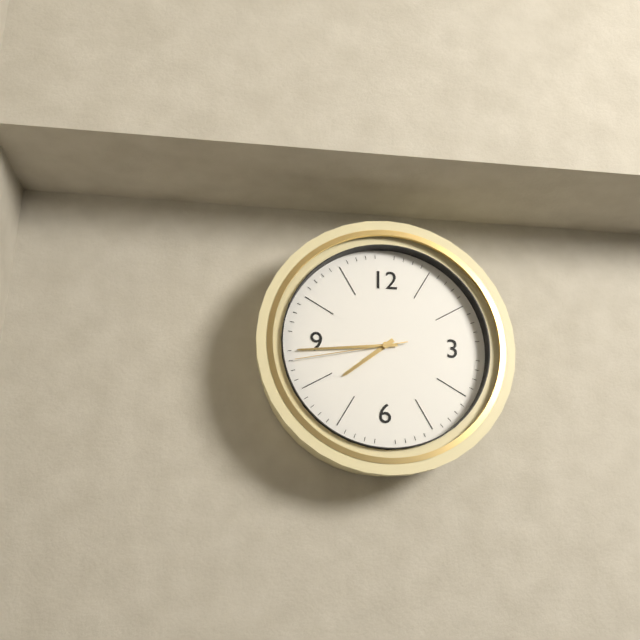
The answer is 7:44:43
